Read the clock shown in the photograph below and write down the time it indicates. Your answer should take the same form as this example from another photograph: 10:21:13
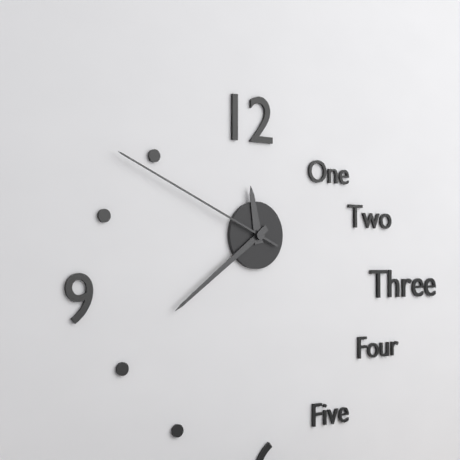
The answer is 11:39:49
